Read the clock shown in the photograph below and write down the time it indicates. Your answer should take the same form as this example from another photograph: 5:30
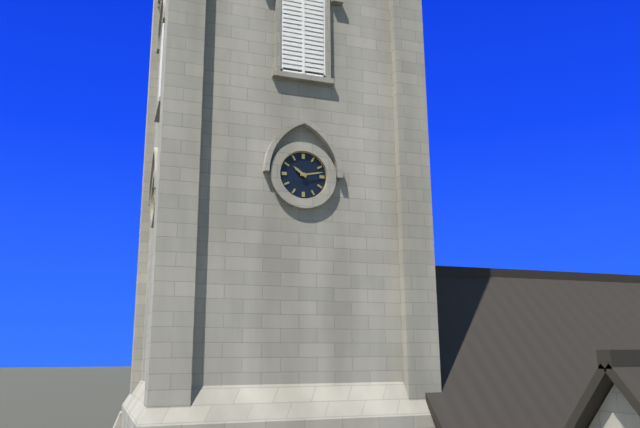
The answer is 10:13
